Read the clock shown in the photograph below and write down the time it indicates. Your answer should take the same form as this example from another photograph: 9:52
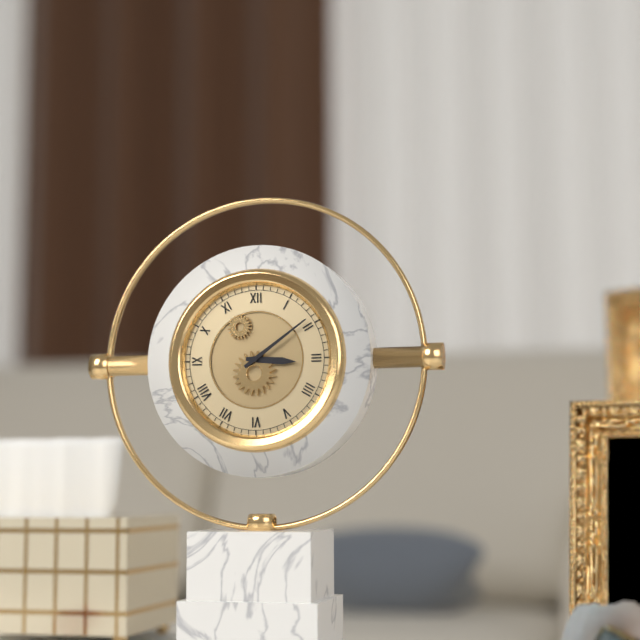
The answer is 3:09
